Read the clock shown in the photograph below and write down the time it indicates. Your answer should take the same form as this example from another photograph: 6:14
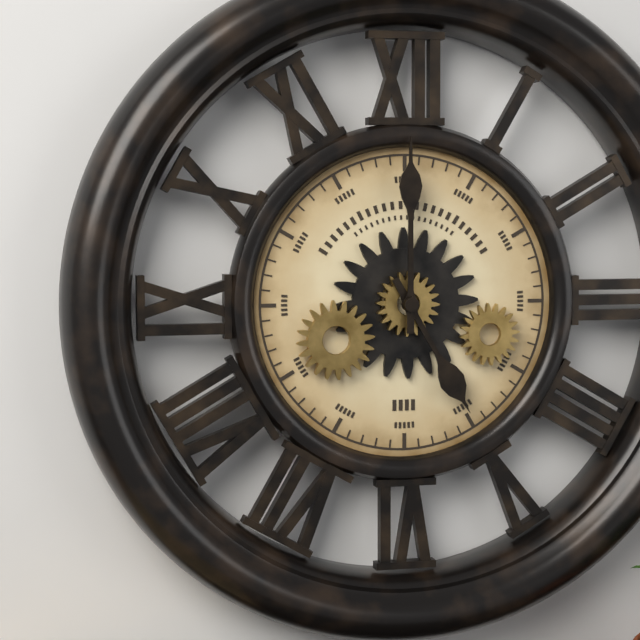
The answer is 5:00
